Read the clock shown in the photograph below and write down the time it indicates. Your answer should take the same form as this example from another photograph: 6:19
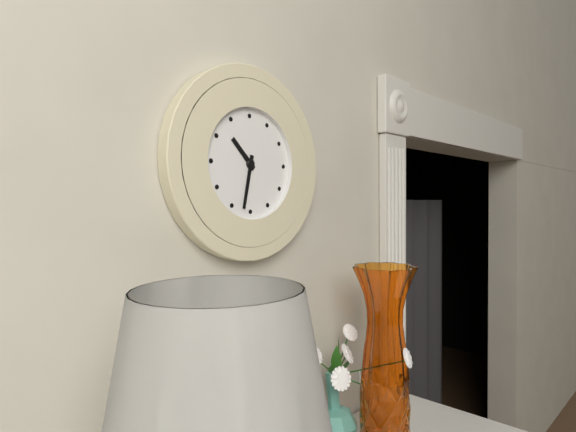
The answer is 10:32
